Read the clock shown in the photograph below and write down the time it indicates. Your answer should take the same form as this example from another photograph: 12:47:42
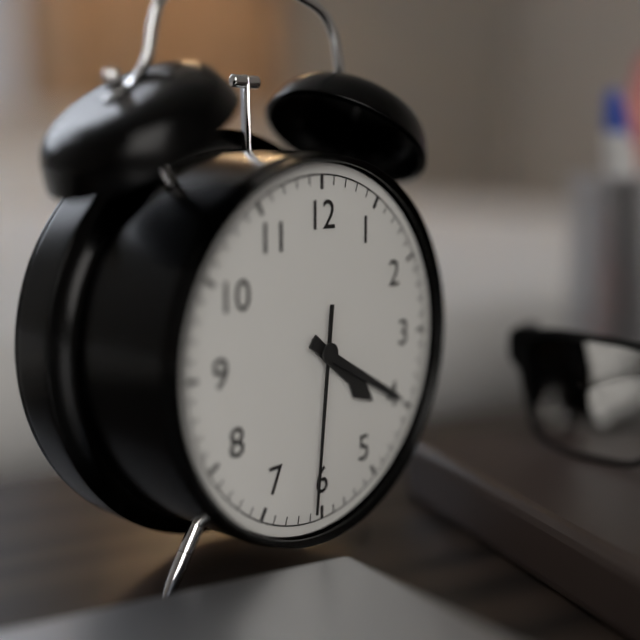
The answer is 4:20:31
